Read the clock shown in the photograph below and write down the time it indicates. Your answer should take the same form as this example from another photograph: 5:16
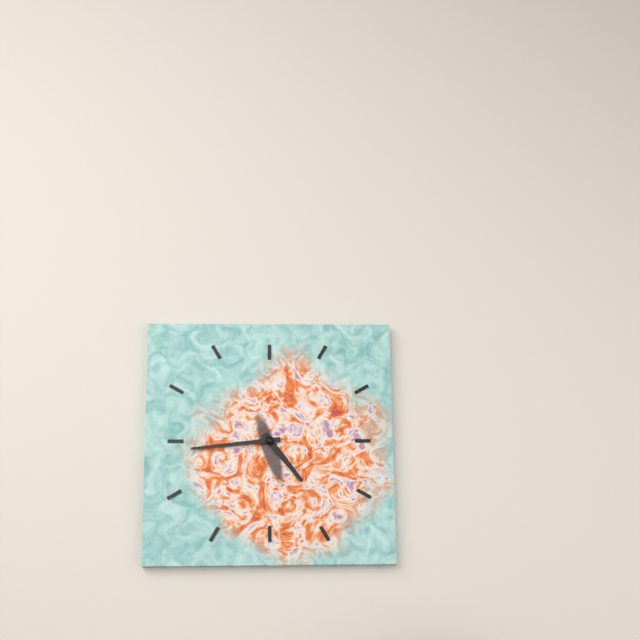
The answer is 4:44
